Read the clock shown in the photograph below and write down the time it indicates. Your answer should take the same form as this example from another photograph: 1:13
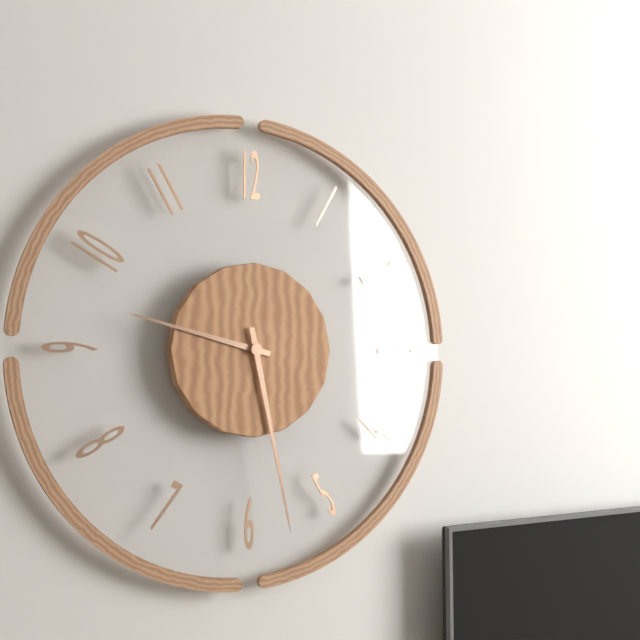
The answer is 9:28
